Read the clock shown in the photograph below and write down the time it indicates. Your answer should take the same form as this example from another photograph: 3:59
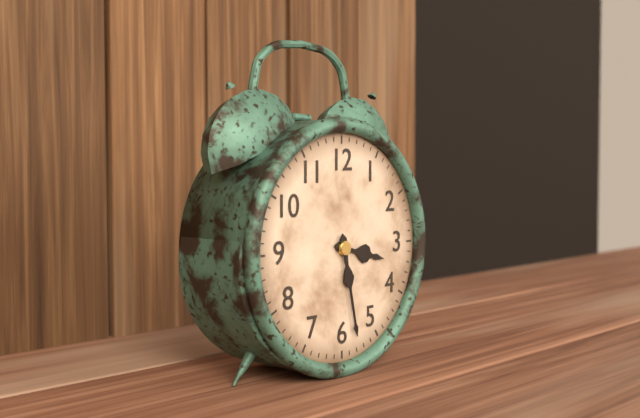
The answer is 3:28
